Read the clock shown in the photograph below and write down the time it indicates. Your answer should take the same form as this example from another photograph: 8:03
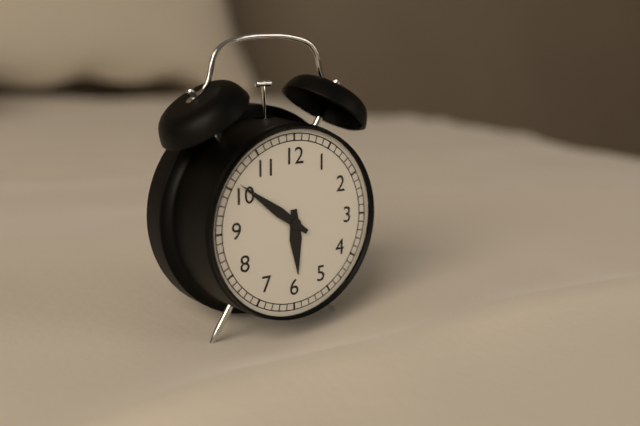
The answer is 5:51
